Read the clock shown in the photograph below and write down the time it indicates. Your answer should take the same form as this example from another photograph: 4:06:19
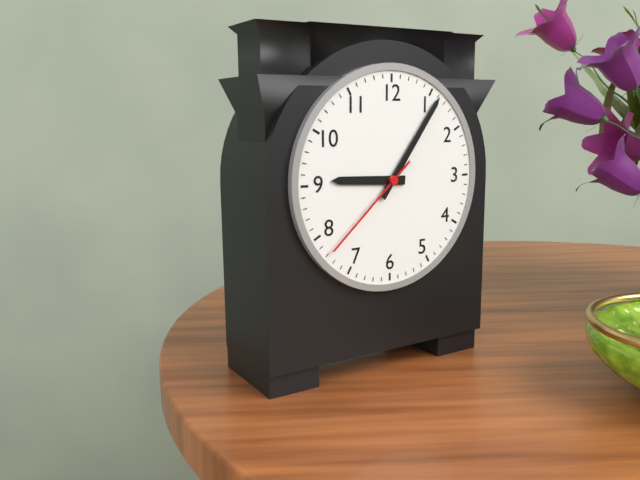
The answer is 9:06:38
